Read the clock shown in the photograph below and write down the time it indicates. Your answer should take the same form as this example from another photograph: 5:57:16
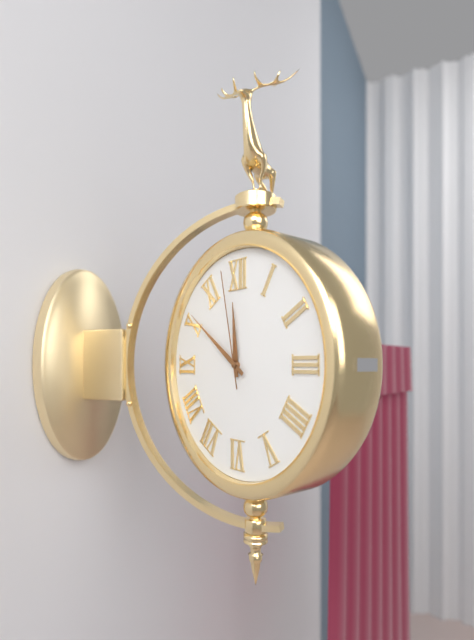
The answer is 11:51:58
